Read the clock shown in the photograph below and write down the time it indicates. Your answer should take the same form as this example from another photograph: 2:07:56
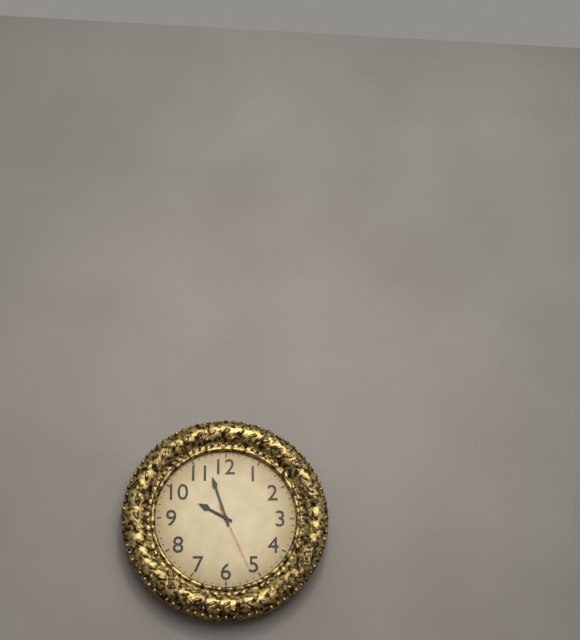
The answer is 9:57:26
